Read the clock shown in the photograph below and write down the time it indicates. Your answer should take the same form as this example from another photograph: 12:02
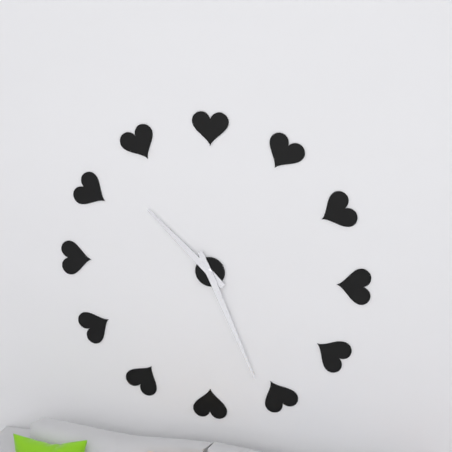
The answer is 10:26
